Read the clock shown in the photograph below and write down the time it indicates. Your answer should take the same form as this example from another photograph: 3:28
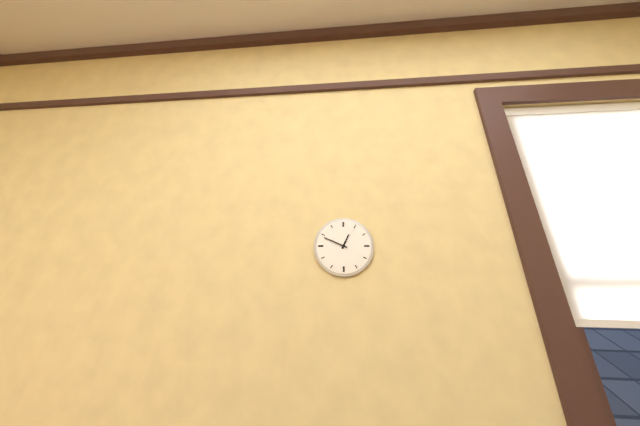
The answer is 12:49
